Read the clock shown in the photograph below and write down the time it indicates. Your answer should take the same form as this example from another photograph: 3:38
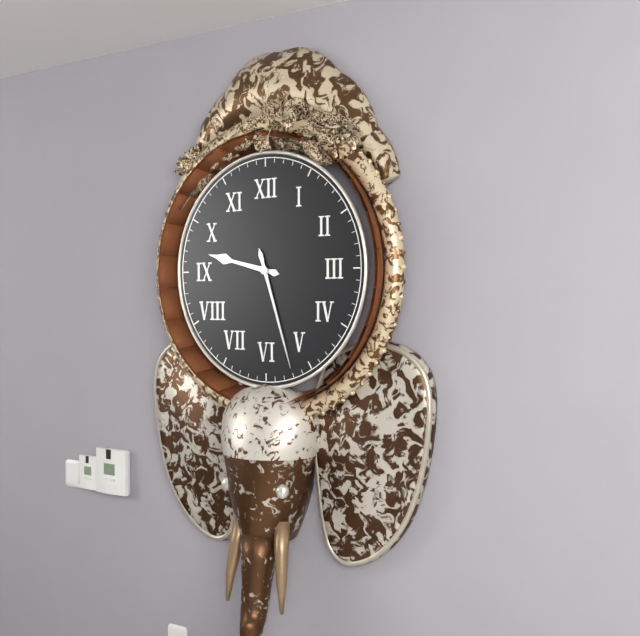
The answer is 9:27
